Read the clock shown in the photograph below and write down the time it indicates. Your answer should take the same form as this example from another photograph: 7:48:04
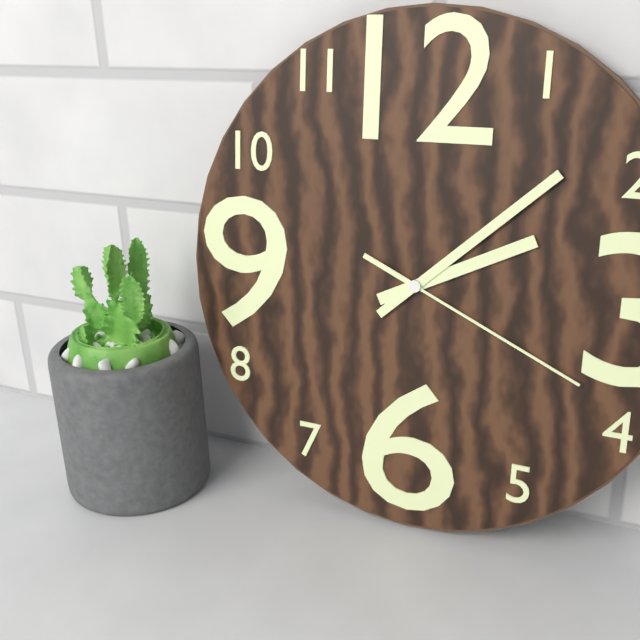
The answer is 2:08:19
